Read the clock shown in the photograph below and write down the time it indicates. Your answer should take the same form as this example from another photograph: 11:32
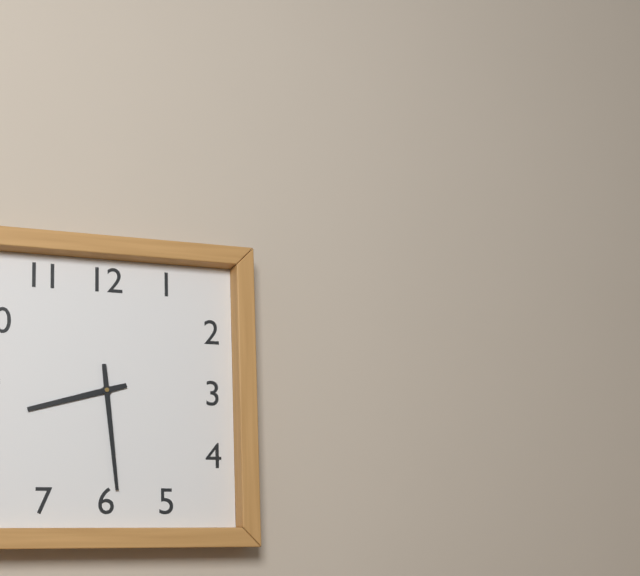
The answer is 8:29
